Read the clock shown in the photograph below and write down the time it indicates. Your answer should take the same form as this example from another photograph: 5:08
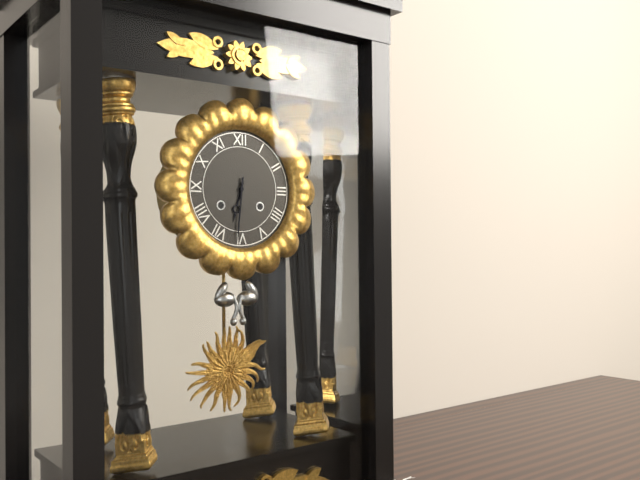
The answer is 6:31
